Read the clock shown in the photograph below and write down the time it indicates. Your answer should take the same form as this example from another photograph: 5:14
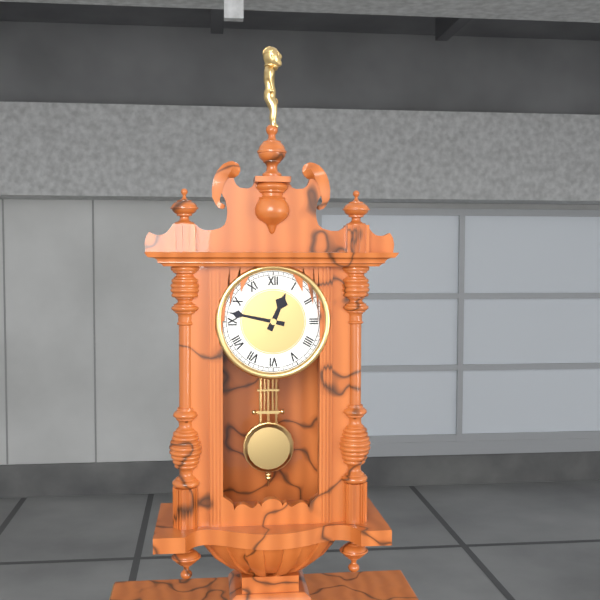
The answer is 12:47
